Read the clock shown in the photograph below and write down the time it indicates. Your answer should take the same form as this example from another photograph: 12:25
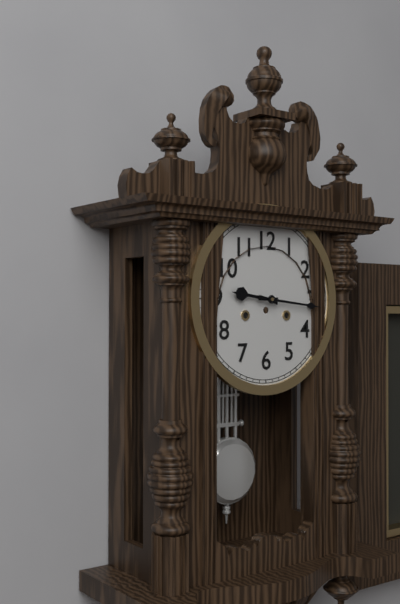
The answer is 9:16
